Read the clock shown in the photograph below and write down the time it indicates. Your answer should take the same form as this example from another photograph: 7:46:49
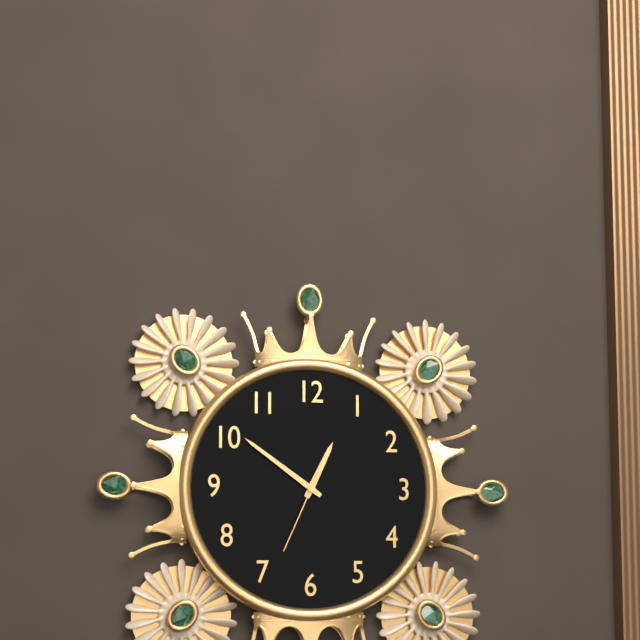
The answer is 12:51:34
